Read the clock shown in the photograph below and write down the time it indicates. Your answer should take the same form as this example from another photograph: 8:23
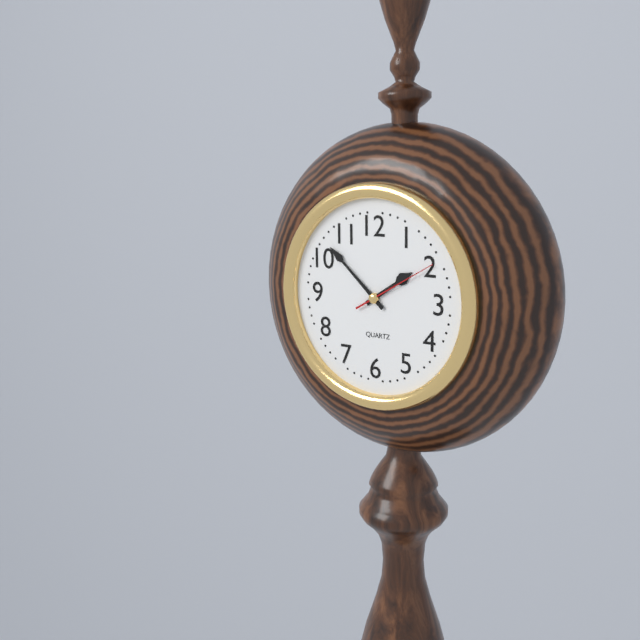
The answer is 1:52
